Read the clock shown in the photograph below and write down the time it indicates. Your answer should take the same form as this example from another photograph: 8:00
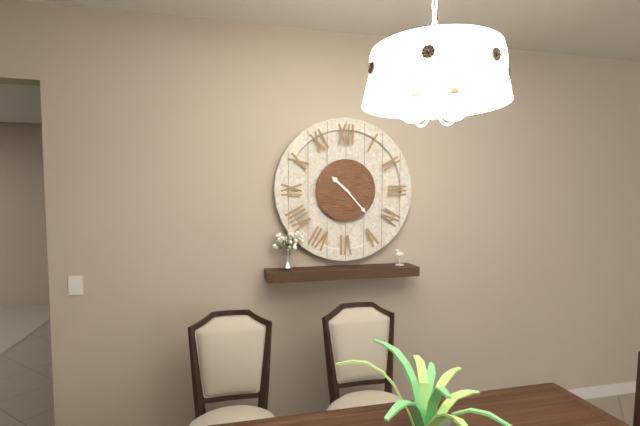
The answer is 10:23
